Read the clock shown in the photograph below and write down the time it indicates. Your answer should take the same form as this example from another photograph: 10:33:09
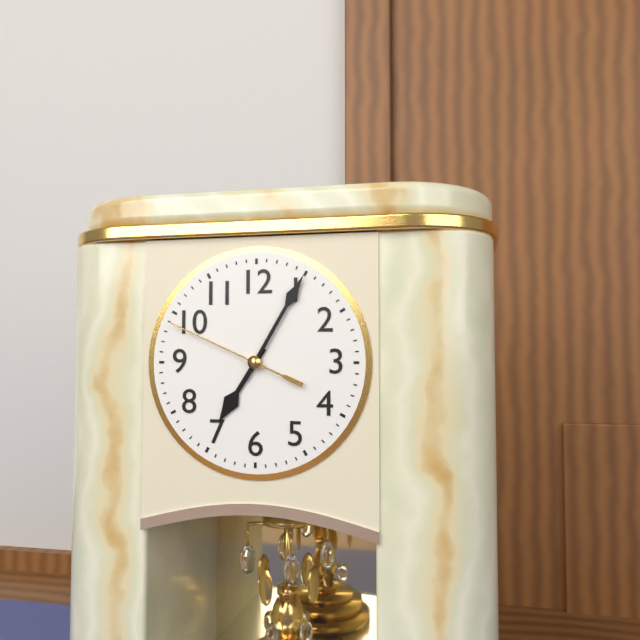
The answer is 7:05:49
